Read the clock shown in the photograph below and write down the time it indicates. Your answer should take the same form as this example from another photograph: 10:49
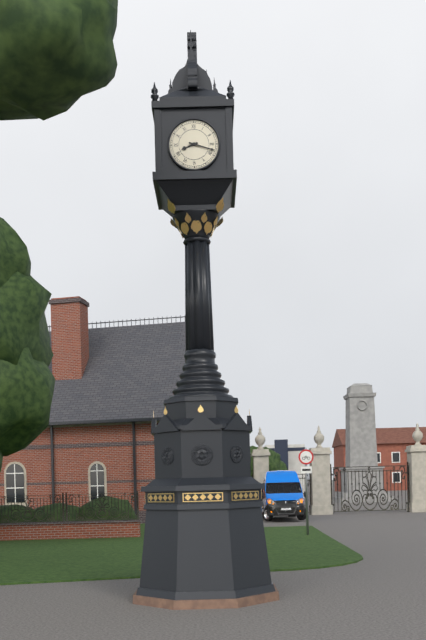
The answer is 8:18
